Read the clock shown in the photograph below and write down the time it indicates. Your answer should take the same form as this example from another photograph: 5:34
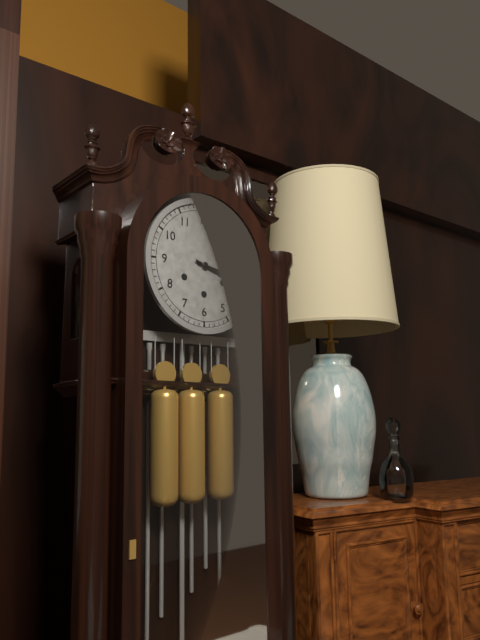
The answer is 3:18
